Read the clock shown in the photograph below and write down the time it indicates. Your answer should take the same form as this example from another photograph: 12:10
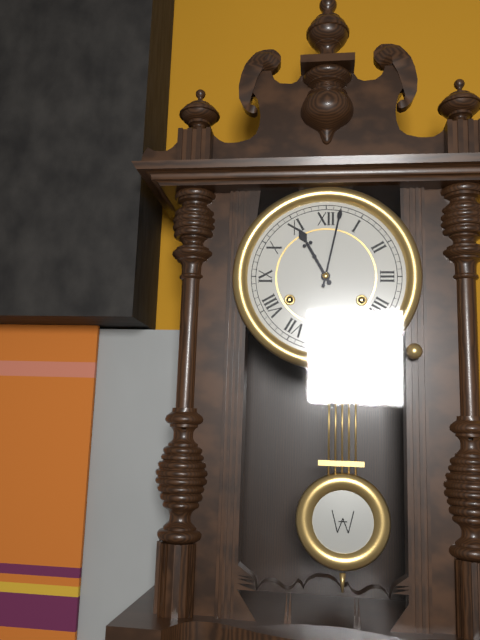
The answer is 11:02
